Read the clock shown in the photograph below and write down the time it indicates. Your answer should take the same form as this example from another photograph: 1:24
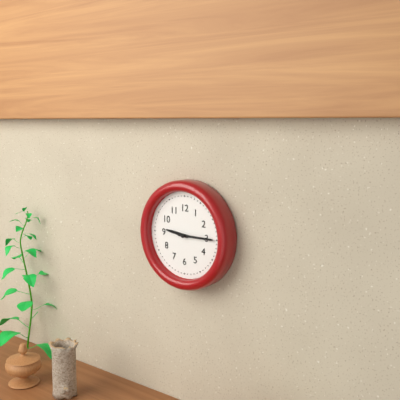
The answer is 9:15
